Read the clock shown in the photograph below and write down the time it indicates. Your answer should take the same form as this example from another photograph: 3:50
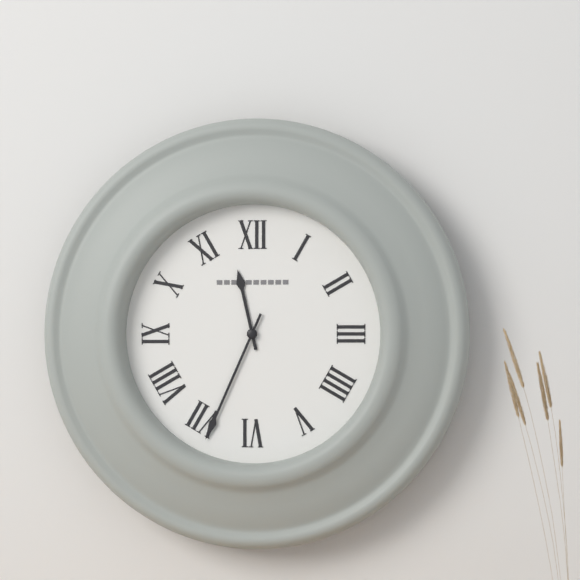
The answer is 11:34
